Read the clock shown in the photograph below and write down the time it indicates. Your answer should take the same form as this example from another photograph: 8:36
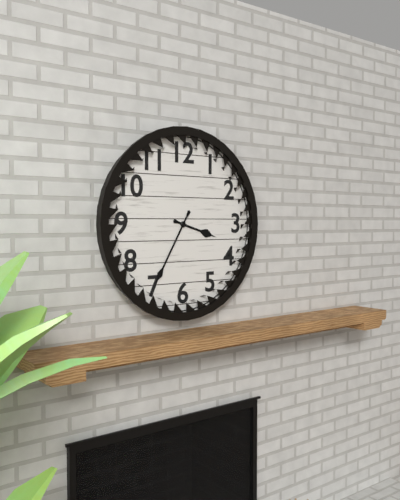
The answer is 3:35
